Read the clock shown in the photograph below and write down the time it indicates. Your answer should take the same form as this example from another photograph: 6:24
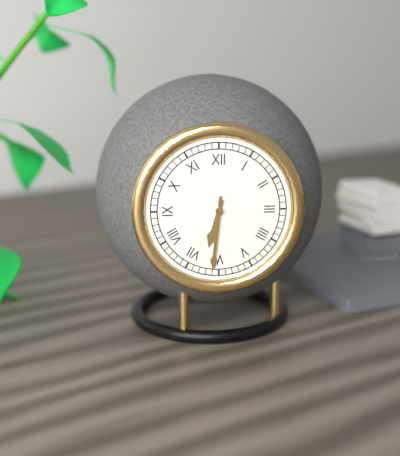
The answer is 6:31
